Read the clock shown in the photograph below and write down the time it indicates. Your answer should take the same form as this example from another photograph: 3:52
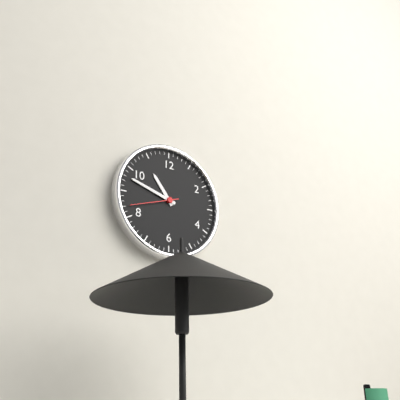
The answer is 10:48
